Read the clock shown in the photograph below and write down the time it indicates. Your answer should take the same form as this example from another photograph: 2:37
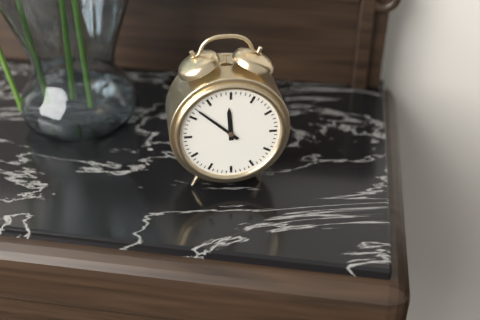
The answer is 11:52
